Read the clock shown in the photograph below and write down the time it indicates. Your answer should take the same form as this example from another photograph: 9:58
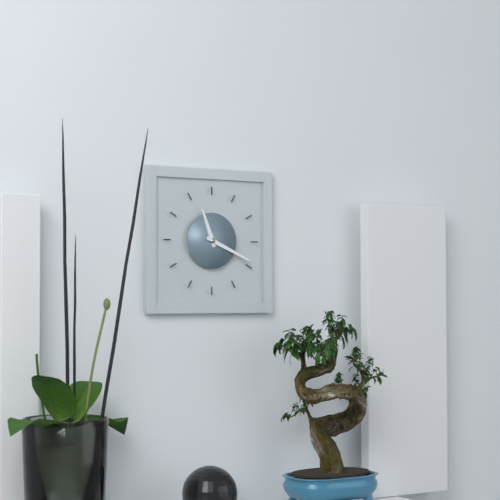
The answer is 11:19
